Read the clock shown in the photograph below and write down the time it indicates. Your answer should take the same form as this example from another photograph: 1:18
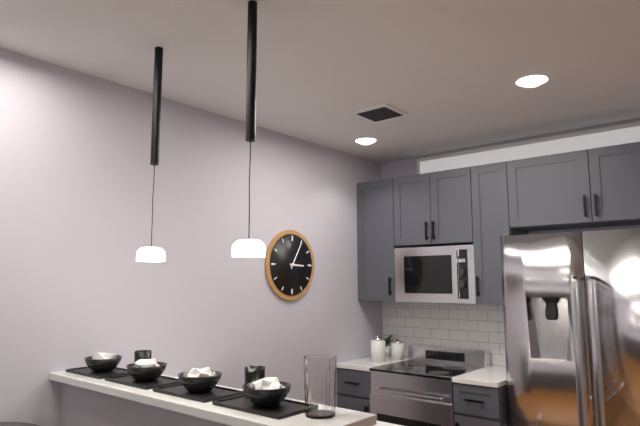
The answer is 3:05
